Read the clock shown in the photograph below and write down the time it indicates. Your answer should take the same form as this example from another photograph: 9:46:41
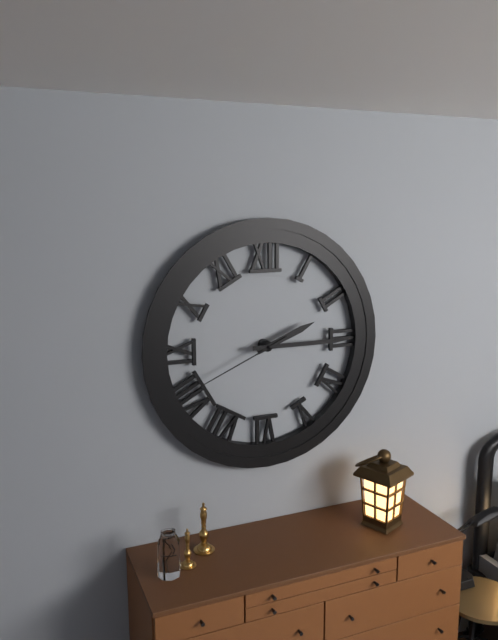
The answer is 2:15:41
